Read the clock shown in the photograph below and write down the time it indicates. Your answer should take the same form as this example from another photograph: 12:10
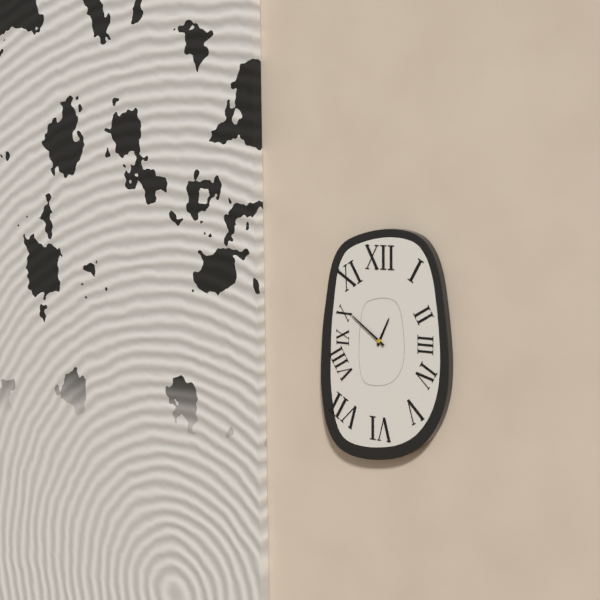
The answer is 12:51
